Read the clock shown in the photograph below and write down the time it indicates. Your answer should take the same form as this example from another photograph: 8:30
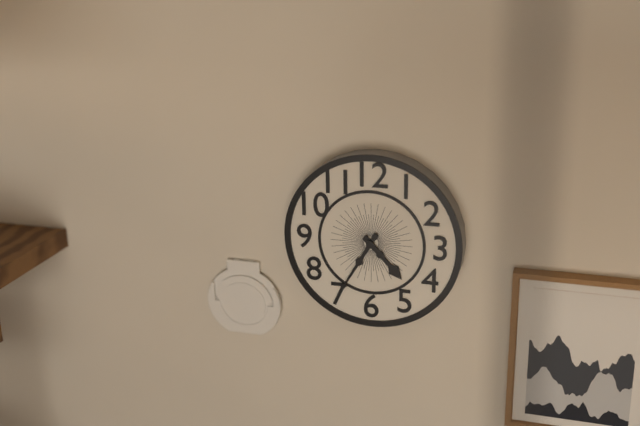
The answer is 4:35
